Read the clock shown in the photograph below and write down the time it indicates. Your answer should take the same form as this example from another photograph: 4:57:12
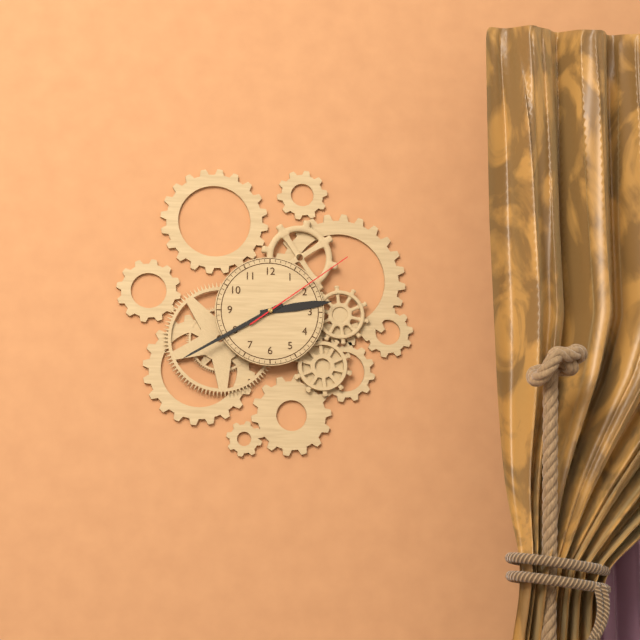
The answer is 2:40:09
